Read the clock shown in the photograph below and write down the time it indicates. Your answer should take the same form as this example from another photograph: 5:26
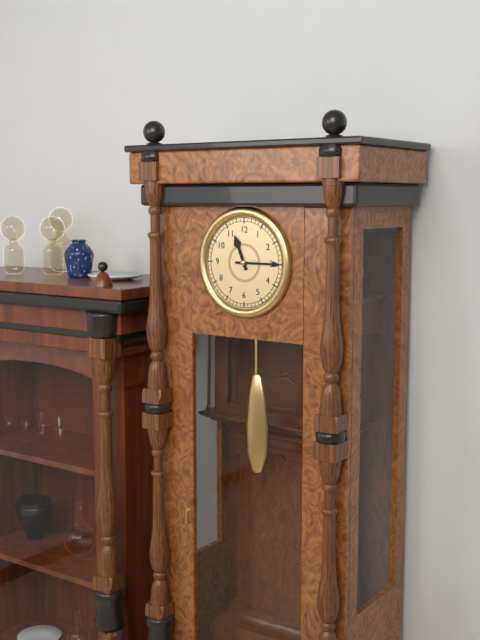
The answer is 11:15
